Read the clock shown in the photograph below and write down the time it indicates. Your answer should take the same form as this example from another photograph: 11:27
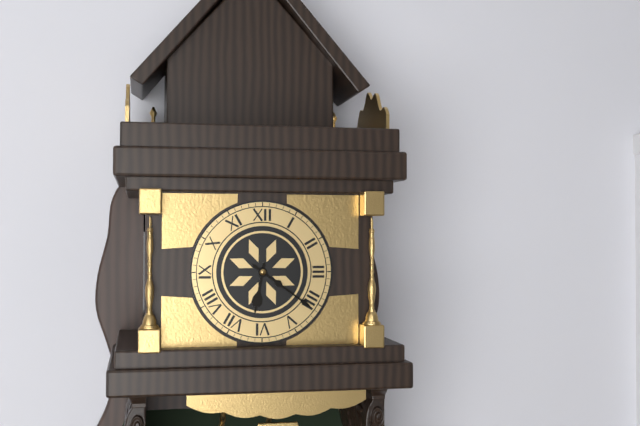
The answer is 6:21
